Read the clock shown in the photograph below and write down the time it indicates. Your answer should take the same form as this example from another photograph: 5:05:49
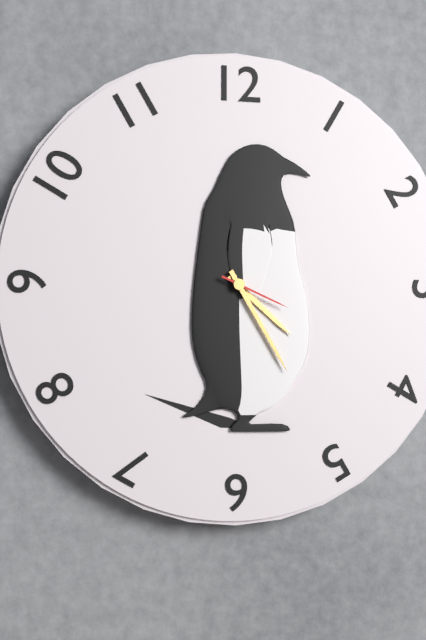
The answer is 4:25:19
